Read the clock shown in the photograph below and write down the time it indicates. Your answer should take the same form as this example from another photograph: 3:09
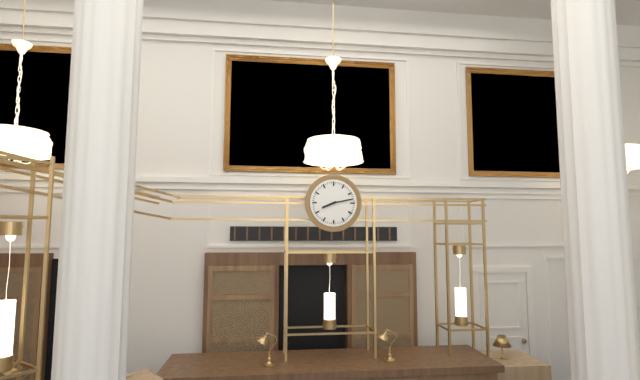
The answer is 8:13
